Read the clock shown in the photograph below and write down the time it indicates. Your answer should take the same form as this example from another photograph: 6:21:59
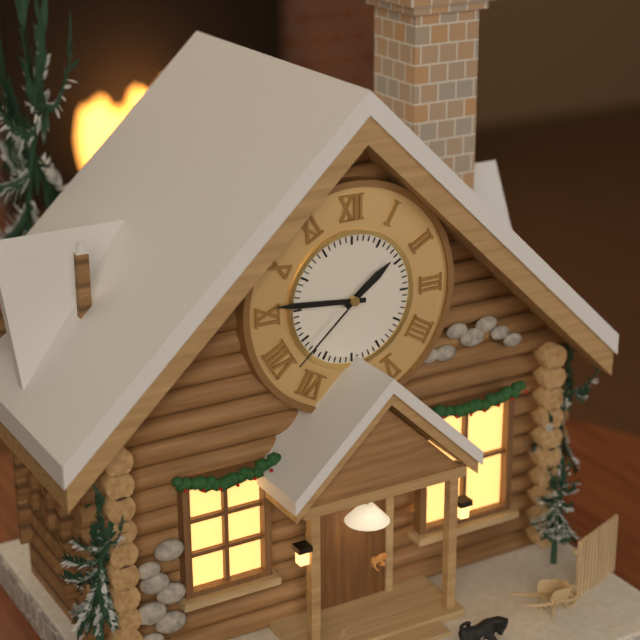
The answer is 1:46:38
